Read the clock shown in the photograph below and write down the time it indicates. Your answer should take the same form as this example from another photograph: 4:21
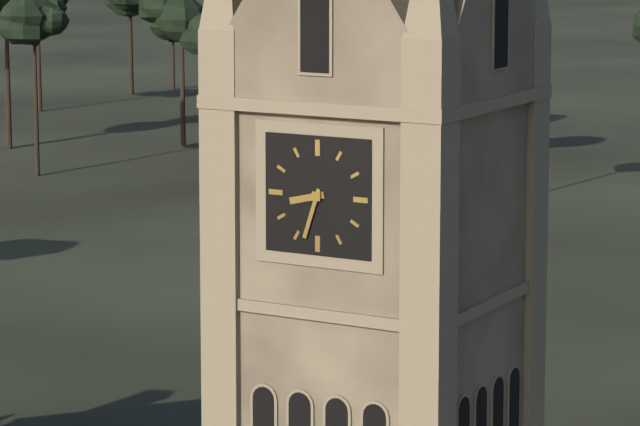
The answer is 8:33
